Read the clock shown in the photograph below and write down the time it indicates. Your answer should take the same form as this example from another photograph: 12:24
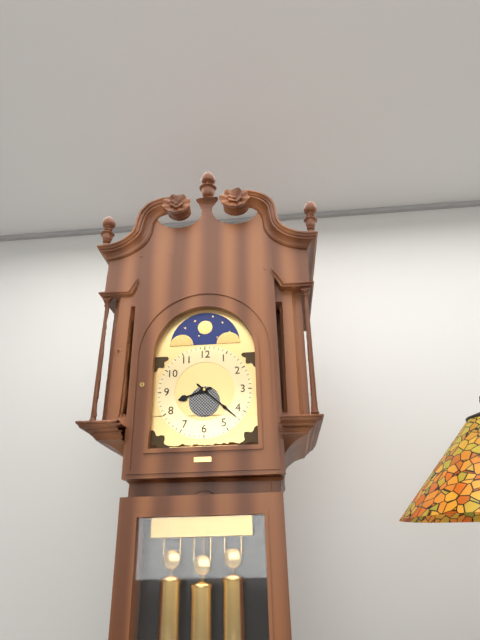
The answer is 8:22
